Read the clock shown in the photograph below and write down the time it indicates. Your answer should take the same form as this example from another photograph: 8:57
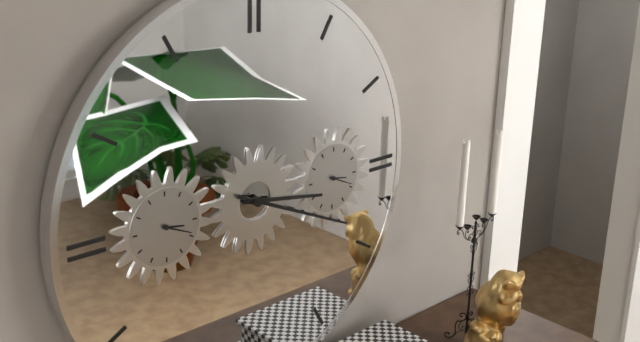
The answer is 3:19
